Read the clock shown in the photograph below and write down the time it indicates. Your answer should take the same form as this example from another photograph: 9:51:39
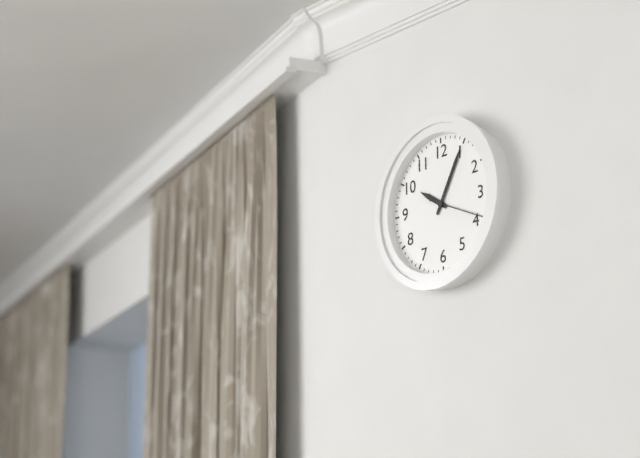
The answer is 10:05:19
